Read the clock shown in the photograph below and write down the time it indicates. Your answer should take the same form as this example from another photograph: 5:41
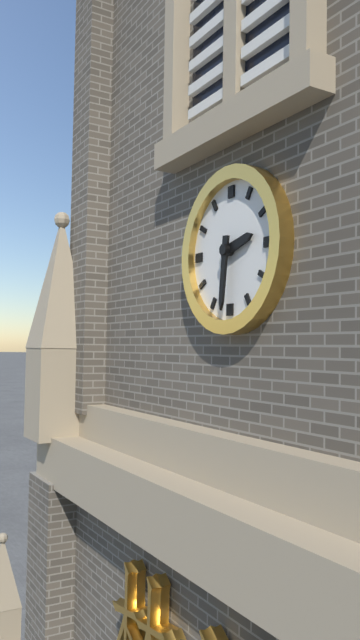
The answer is 2:31
